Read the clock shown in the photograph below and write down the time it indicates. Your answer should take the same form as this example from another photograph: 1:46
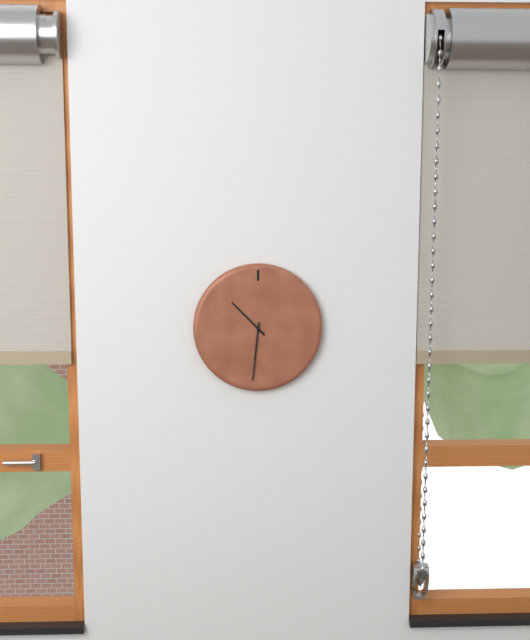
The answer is 10:31
